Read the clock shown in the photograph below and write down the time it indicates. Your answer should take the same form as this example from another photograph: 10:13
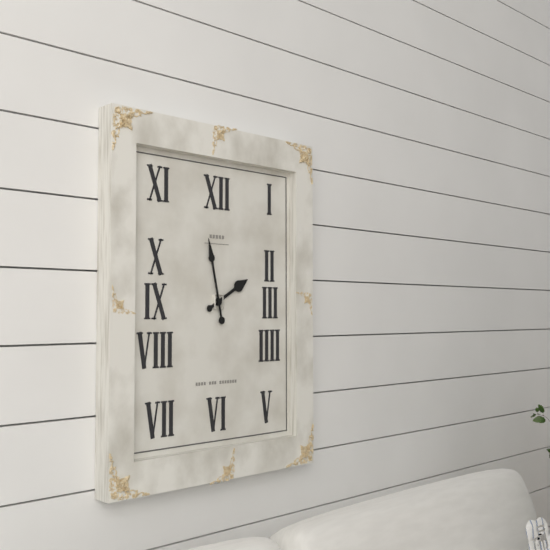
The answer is 1:58
